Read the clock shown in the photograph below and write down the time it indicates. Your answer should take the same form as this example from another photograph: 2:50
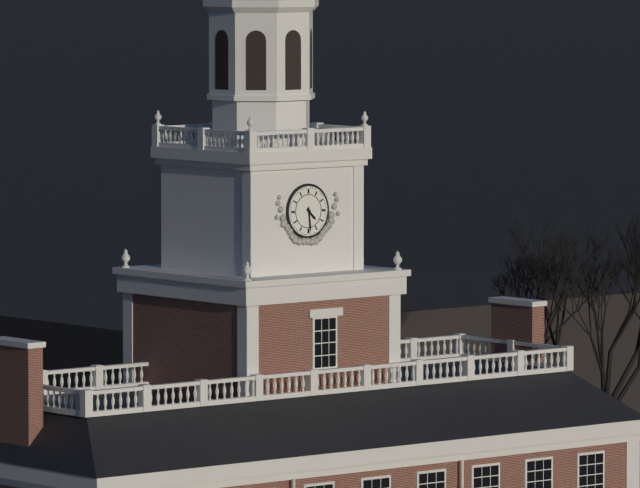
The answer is 4:29
